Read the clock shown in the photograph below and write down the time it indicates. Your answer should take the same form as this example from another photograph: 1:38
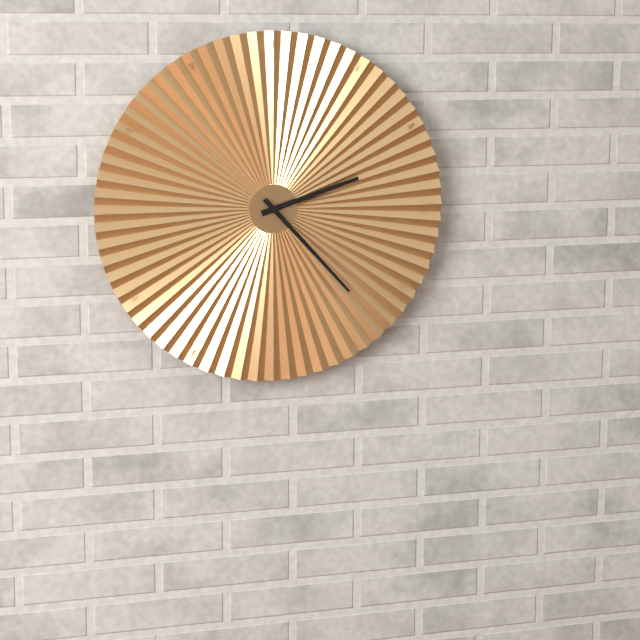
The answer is 2:23
